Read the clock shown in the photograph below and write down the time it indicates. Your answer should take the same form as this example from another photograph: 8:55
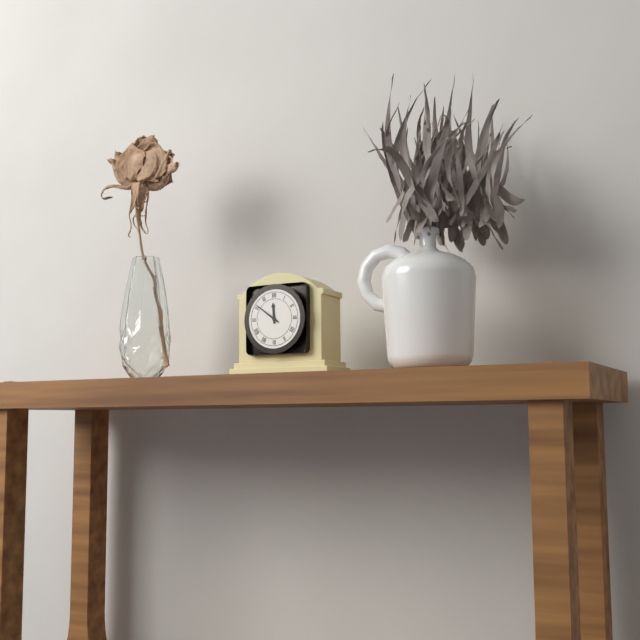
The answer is 11:51
